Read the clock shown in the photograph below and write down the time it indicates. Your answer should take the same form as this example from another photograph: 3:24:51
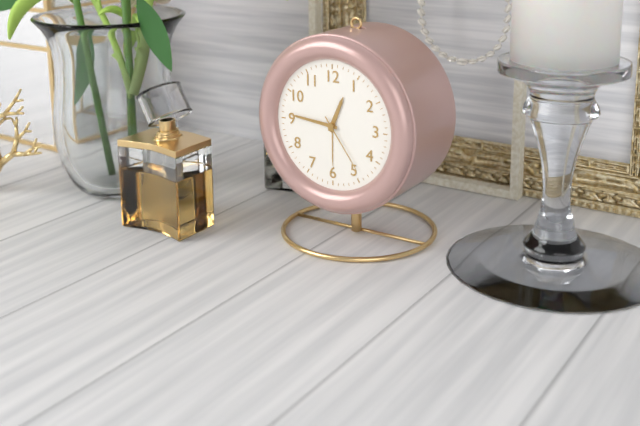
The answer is 12:46:24
